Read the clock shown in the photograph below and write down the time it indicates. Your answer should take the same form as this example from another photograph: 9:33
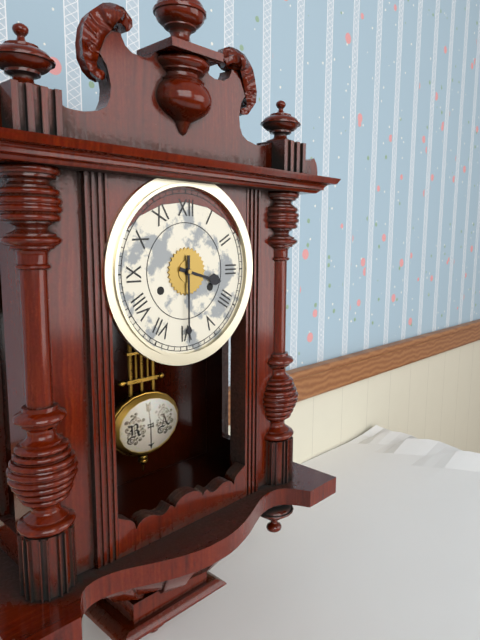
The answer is 3:30
